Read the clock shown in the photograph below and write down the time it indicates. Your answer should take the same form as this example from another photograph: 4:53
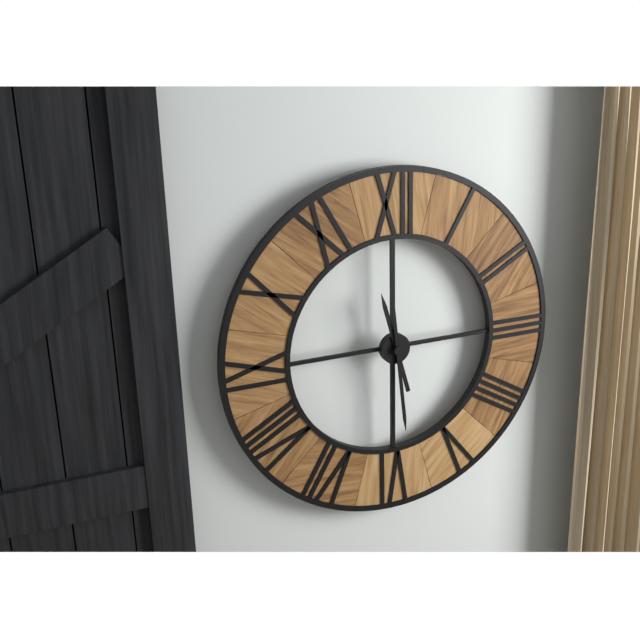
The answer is 11:29
